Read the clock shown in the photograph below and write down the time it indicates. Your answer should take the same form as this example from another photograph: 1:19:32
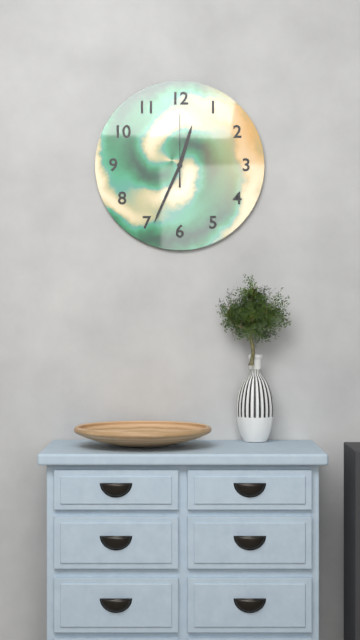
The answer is 12:34:00
